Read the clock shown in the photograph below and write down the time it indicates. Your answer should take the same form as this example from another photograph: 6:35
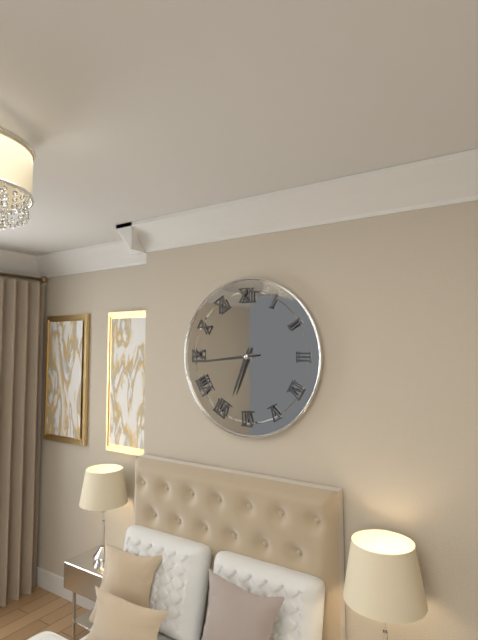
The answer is 6:44
